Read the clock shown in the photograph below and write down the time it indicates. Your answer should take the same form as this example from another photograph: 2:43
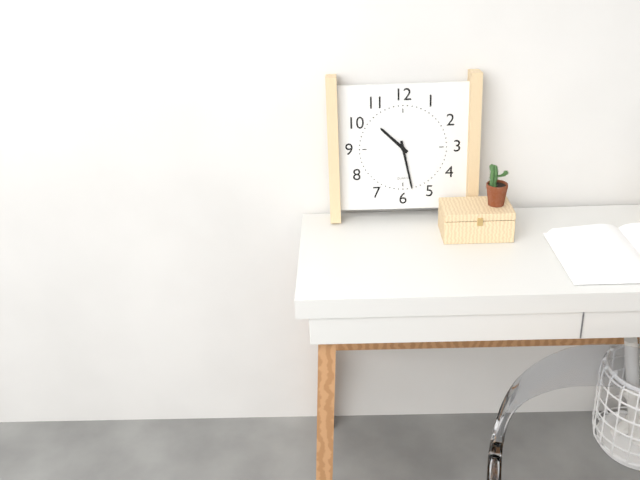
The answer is 10:28
